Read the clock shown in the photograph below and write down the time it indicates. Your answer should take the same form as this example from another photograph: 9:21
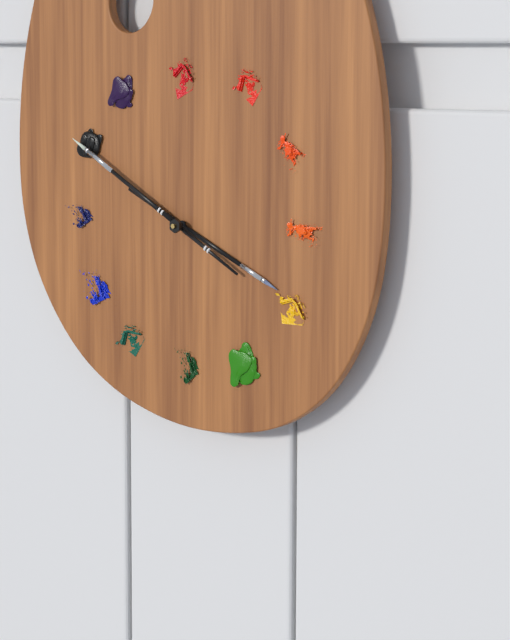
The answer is 3:50
